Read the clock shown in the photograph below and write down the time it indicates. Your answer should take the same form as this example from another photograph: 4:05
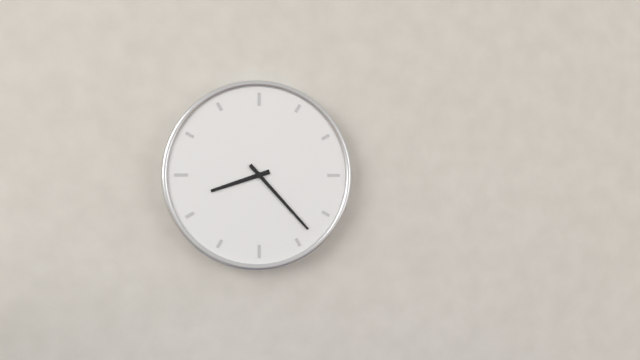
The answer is 8:23
